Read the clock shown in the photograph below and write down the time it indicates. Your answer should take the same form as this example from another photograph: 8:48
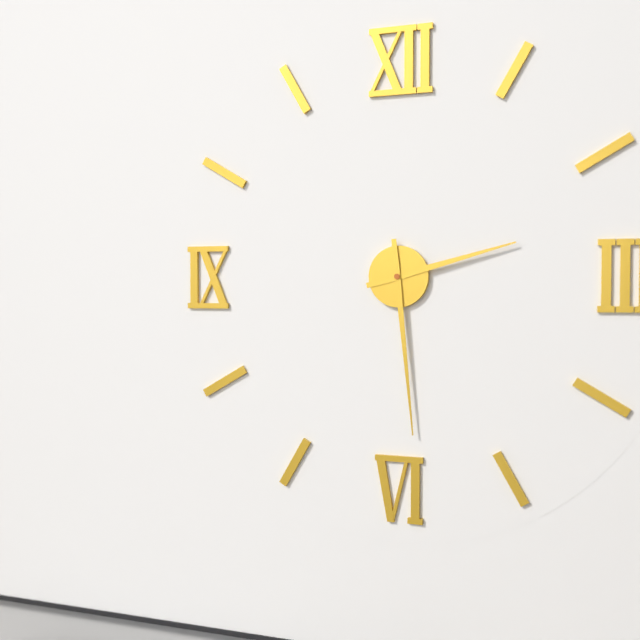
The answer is 2:29
